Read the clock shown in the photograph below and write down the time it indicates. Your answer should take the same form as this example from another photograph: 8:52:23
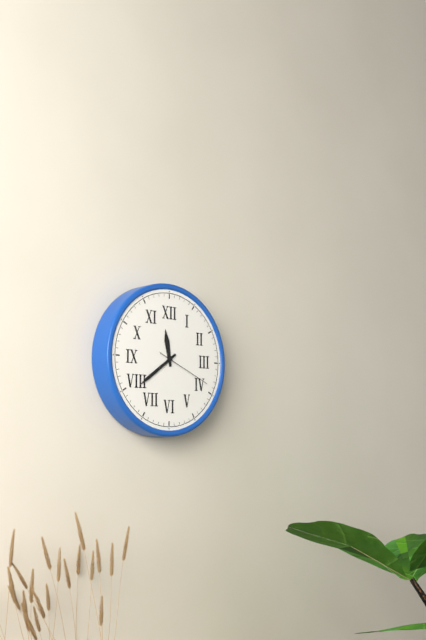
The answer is 11:39:19
